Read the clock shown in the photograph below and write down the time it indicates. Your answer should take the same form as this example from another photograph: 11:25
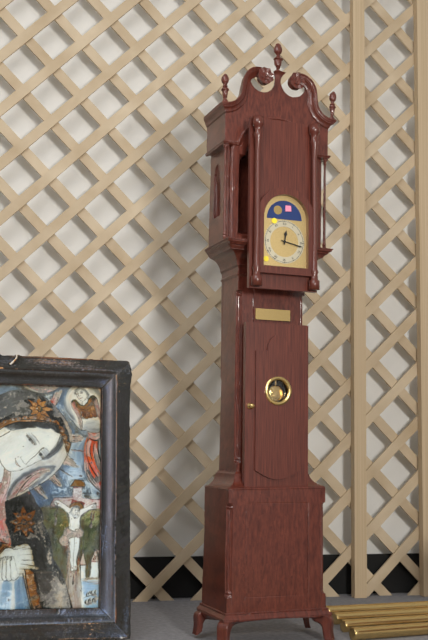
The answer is 12:17
